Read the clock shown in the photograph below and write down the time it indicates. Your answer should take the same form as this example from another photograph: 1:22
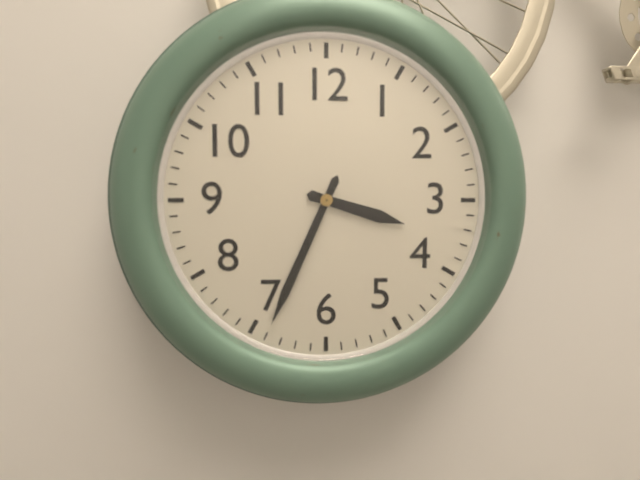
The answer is 3:34
